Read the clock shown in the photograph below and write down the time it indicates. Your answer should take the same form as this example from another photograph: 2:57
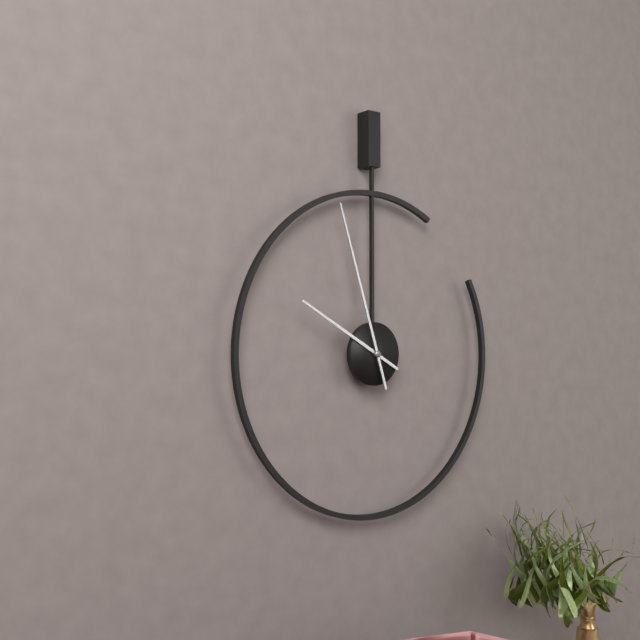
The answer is 9:57
